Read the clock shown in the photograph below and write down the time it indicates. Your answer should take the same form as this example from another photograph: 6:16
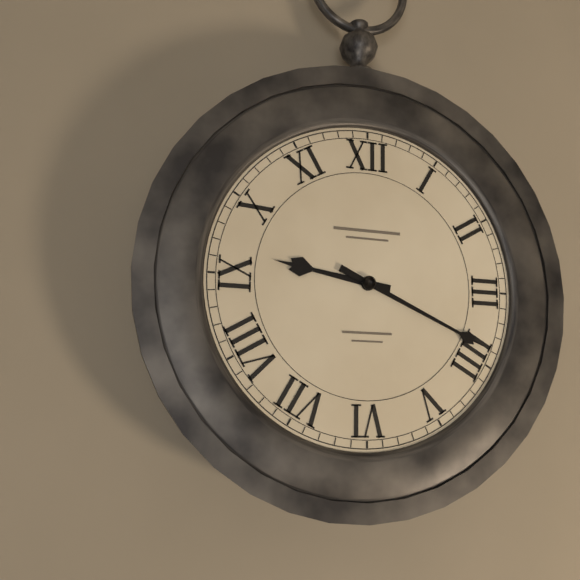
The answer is 9:19
